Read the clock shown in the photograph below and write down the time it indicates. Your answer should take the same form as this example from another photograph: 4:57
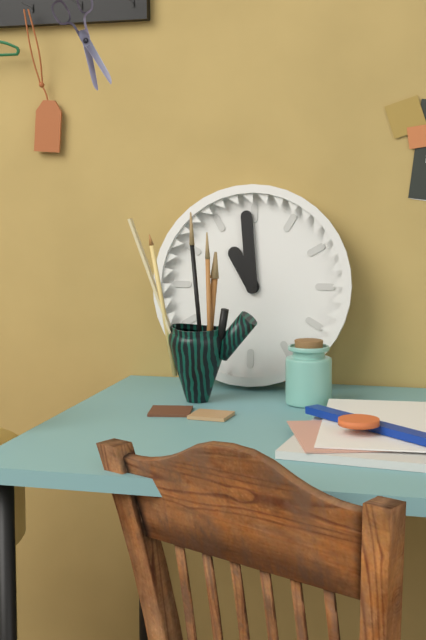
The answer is 10:59
